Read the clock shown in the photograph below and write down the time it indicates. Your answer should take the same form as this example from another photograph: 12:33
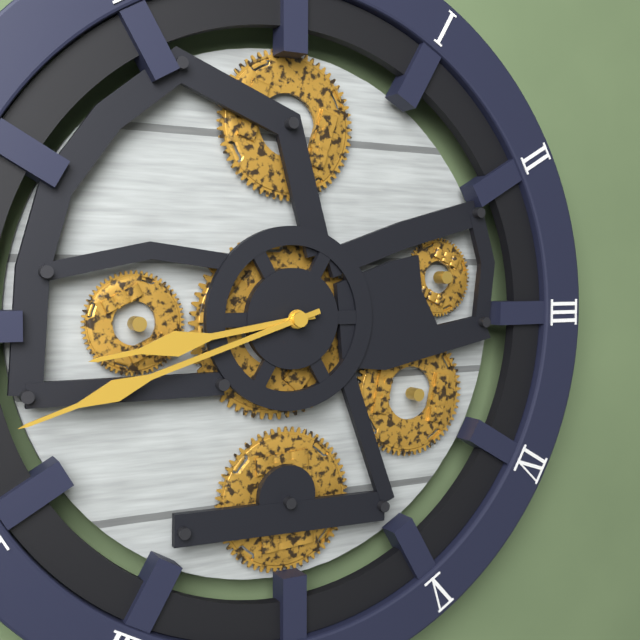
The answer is 8:42
